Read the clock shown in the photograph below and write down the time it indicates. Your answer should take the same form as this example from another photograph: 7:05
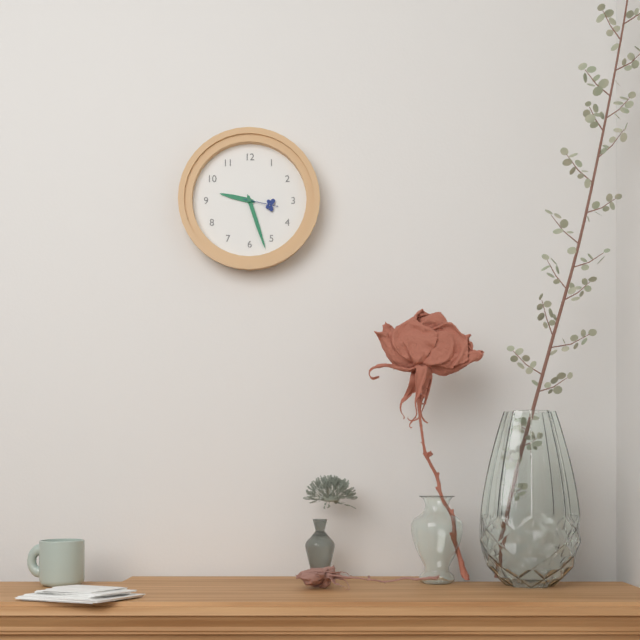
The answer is 9:27
